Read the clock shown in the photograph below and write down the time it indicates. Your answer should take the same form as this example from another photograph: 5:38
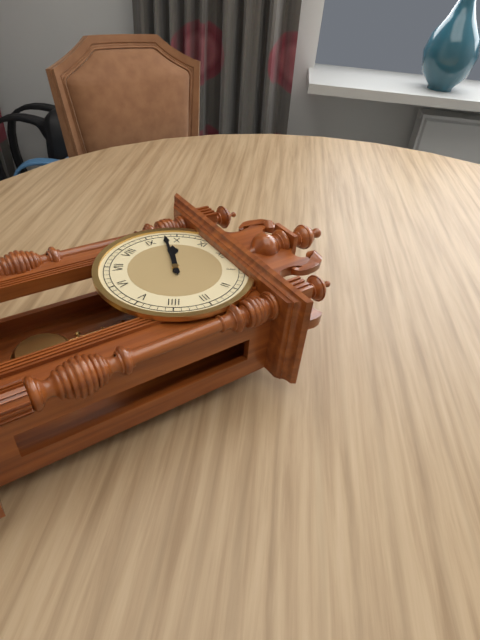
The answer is 9:48
